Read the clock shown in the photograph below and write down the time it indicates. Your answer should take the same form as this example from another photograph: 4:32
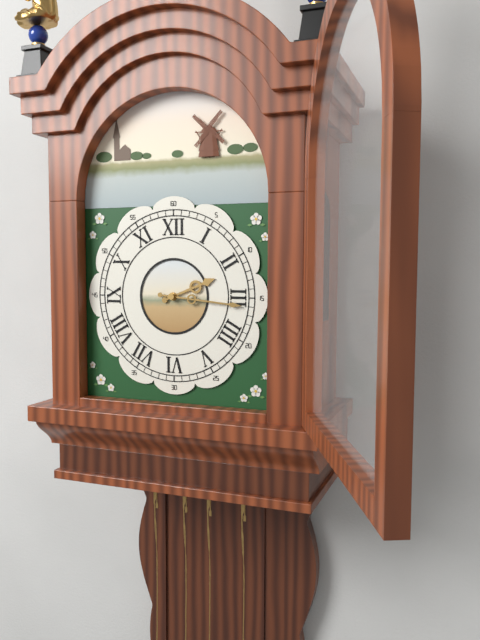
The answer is 2:16
